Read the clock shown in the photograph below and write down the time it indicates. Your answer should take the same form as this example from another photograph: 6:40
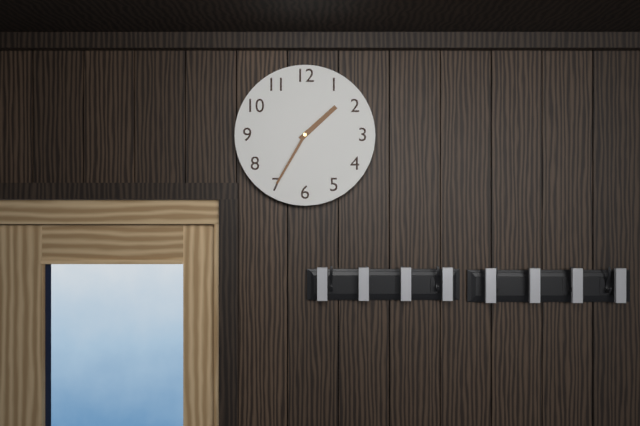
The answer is 1:35
